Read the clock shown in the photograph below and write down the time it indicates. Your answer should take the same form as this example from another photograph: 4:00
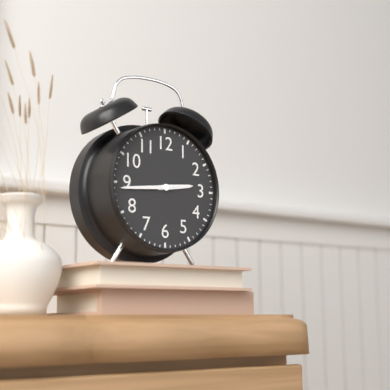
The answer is 2:44
